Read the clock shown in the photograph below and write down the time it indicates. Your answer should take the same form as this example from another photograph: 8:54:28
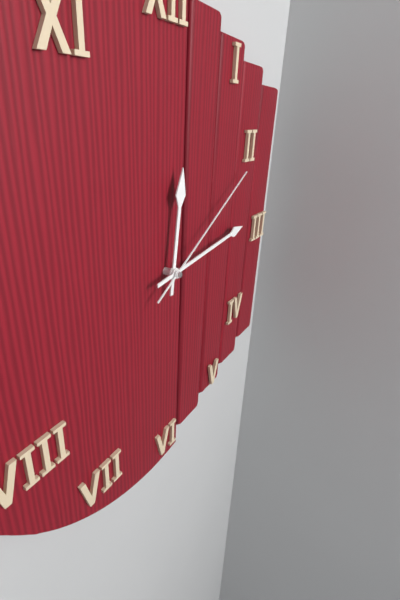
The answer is 12:14:10
